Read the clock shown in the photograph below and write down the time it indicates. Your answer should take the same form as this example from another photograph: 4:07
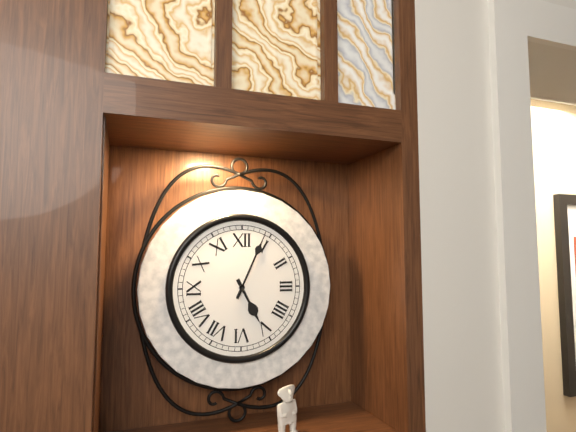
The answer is 5:04
